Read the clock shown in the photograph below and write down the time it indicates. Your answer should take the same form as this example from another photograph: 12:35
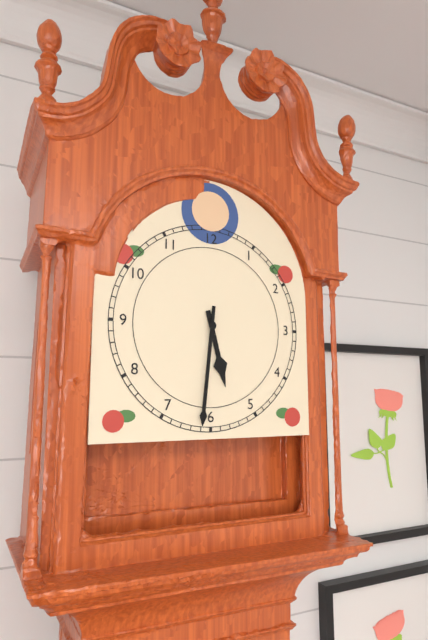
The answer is 5:31
